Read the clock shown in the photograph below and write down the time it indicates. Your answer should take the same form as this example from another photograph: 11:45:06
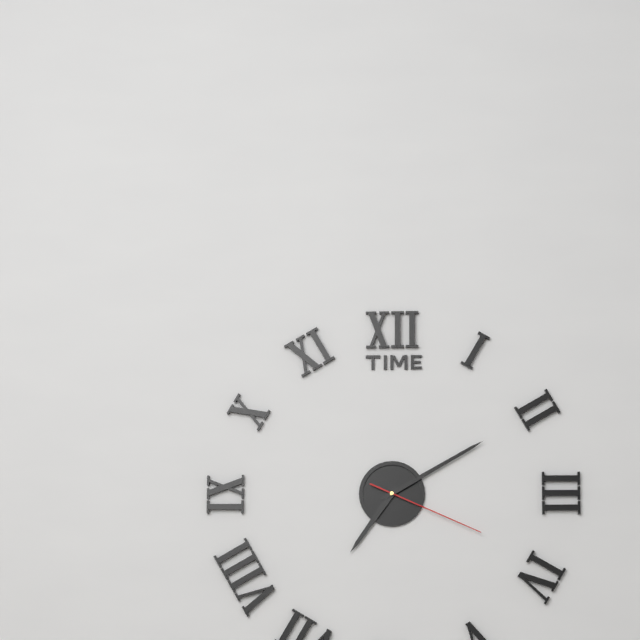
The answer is 7:10:19
